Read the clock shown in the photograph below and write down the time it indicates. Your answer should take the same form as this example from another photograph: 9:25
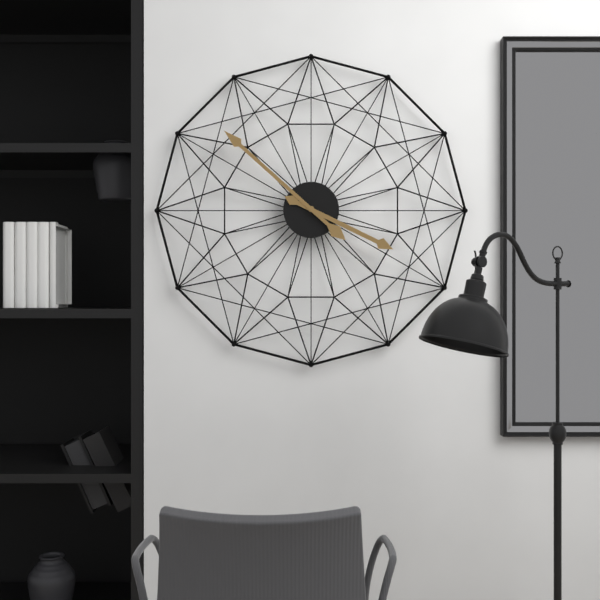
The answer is 3:52
